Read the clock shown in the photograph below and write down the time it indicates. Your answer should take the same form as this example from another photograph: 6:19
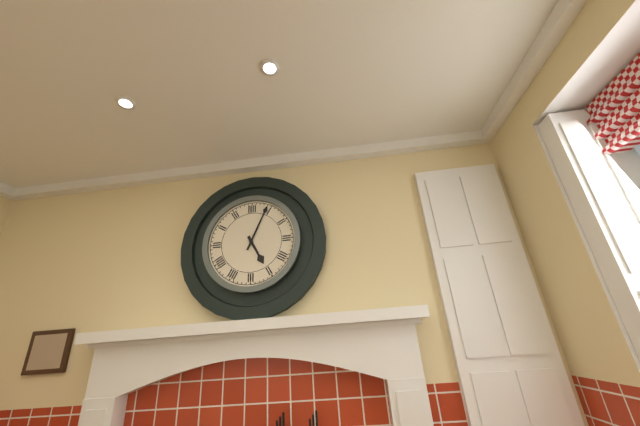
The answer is 5:04
